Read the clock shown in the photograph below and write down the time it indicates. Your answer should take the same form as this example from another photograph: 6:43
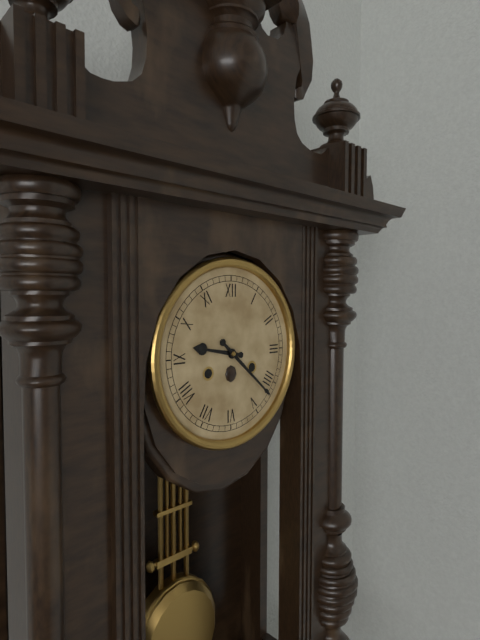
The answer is 9:22
